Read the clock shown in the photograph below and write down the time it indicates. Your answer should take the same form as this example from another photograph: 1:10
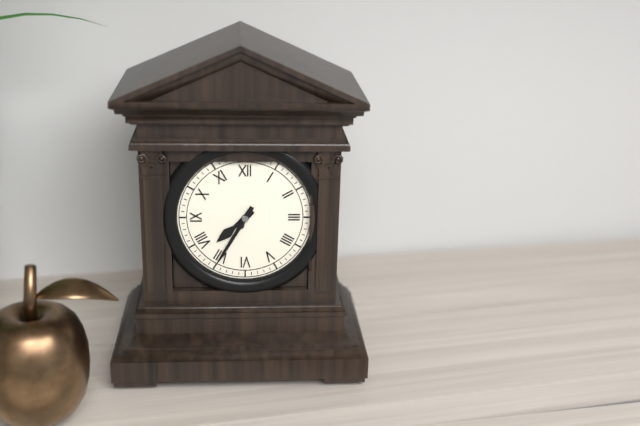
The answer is 7:35
